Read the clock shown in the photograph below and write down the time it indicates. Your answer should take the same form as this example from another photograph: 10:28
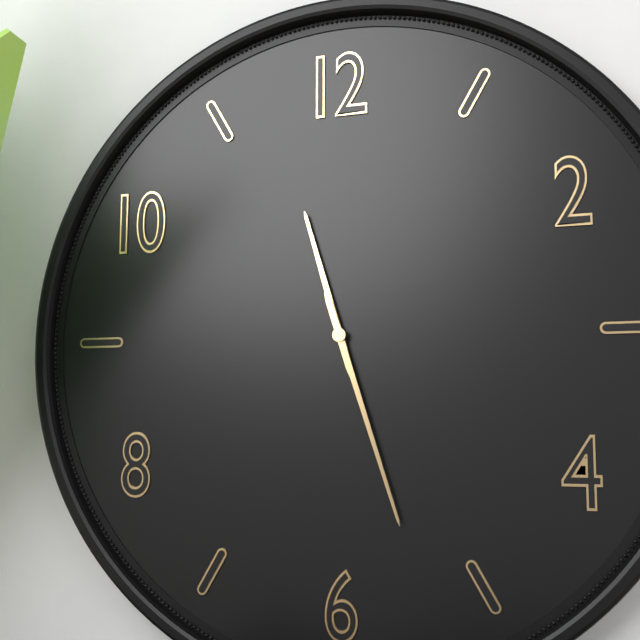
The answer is 11:27
